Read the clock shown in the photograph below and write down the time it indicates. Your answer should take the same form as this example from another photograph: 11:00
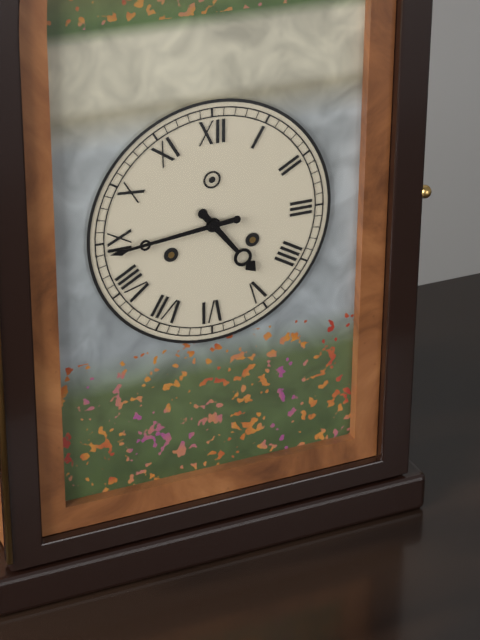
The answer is 4:44
